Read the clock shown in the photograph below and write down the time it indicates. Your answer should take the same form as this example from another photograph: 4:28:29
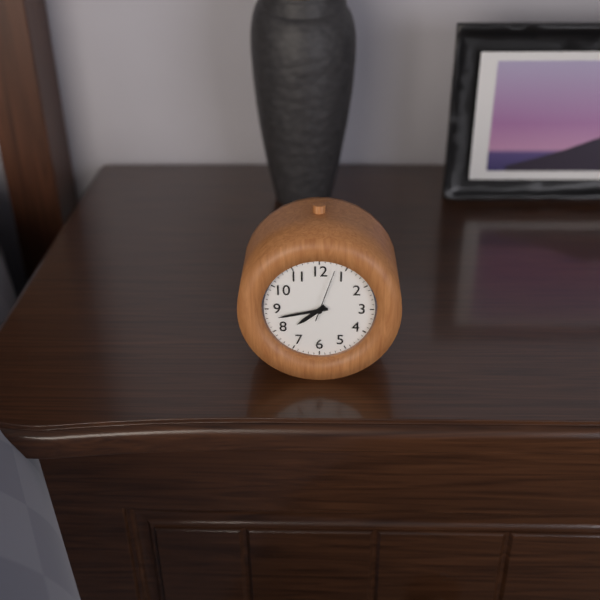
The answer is 7:43:03
